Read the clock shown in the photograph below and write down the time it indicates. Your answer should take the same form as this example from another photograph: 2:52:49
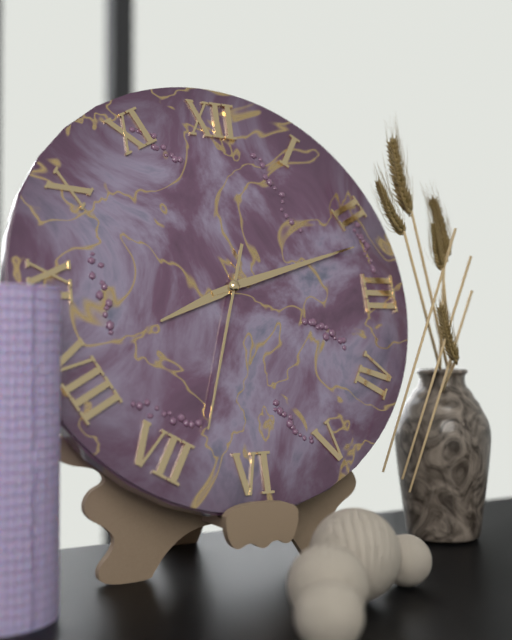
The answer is 8:12:33
